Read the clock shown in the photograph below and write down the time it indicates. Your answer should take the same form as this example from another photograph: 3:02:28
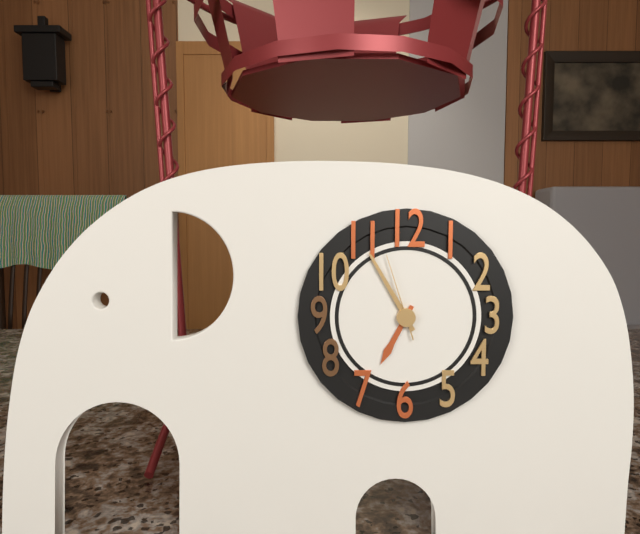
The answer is 6:55:57
